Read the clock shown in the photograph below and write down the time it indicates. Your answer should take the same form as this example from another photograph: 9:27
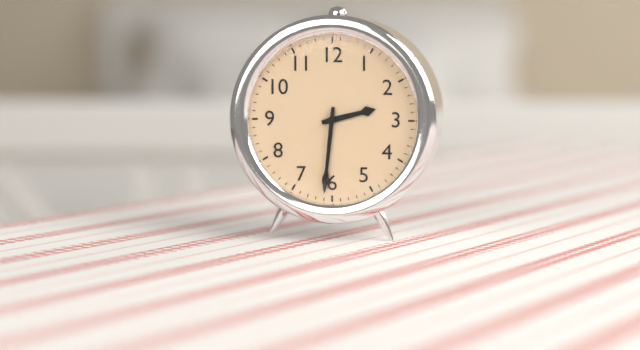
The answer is 2:31
